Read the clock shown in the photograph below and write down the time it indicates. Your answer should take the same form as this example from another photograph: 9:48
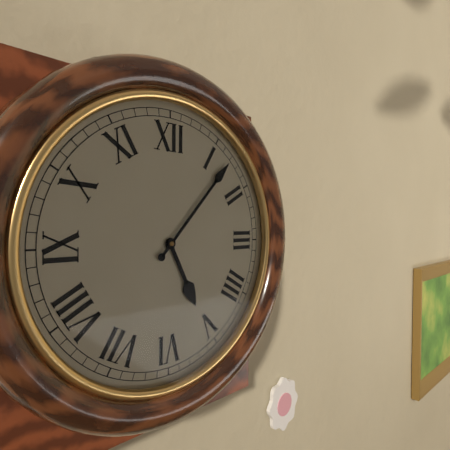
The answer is 5:07
